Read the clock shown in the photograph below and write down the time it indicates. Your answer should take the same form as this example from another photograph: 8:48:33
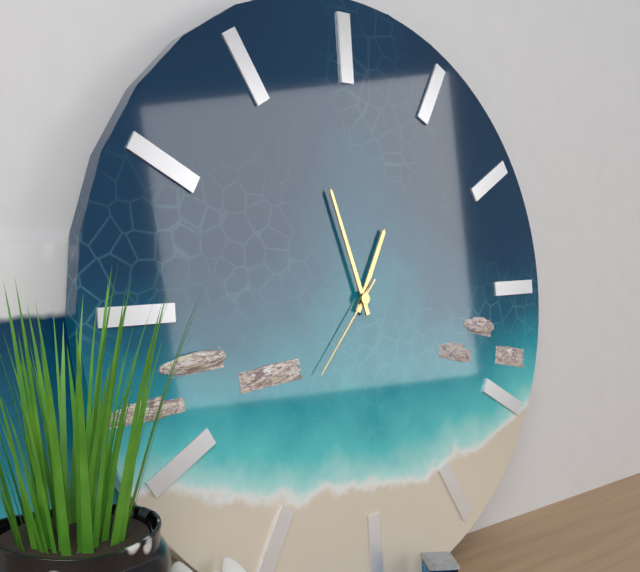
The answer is 12:57:37
